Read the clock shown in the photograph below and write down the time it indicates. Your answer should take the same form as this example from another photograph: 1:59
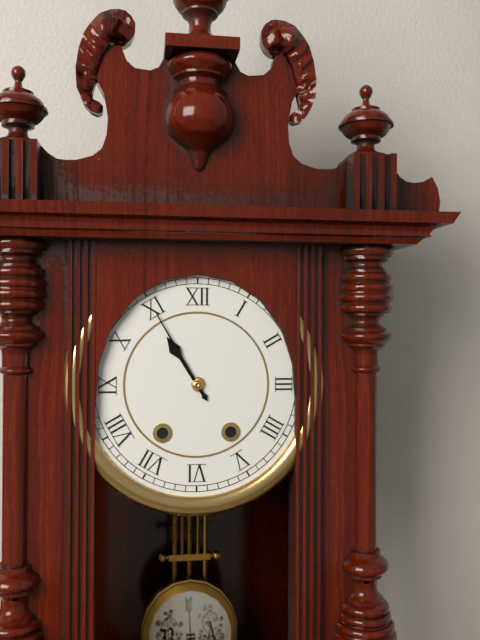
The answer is 10:55
